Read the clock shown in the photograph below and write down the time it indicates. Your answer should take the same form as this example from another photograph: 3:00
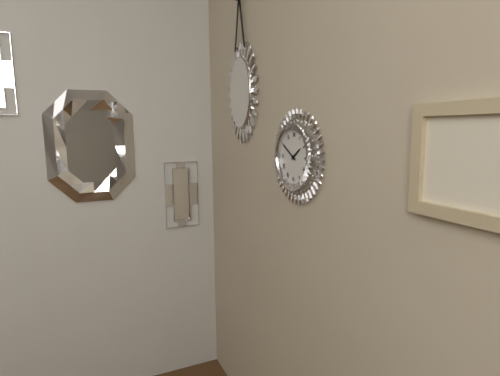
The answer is 1:50
